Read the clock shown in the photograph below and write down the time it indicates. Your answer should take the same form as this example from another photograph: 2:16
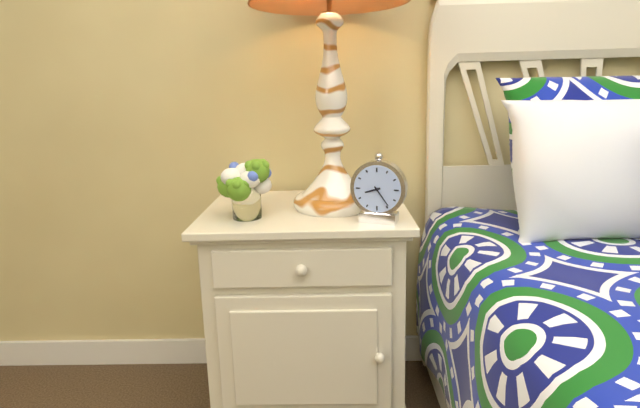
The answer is 8:24
